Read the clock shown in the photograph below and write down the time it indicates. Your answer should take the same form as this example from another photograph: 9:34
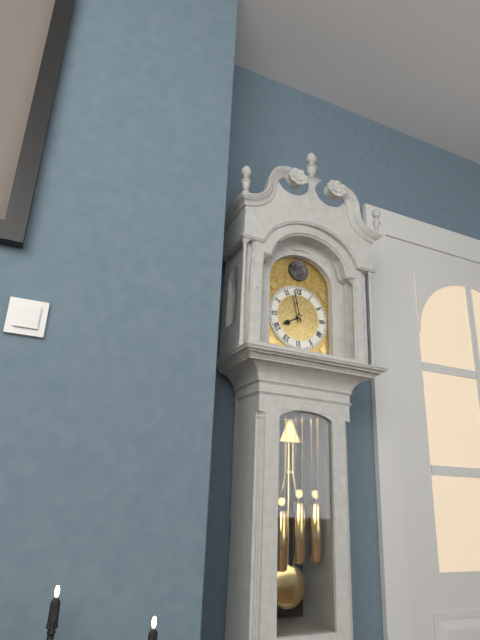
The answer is 7:58
